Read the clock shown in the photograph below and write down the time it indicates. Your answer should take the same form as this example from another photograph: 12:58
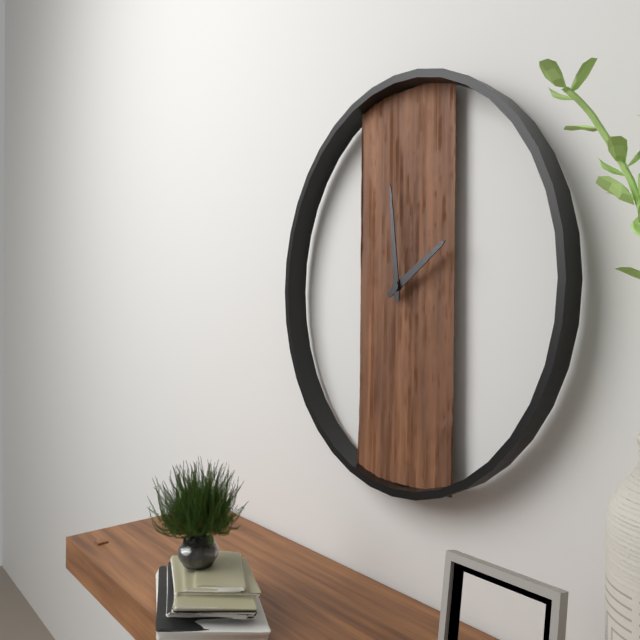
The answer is 1:59
